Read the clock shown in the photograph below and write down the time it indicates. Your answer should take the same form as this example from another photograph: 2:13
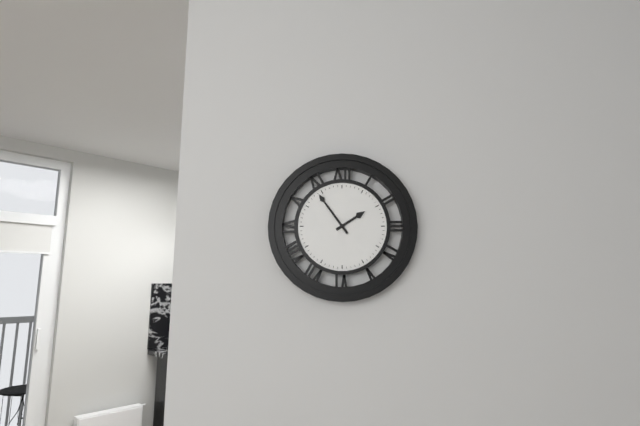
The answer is 1:54
